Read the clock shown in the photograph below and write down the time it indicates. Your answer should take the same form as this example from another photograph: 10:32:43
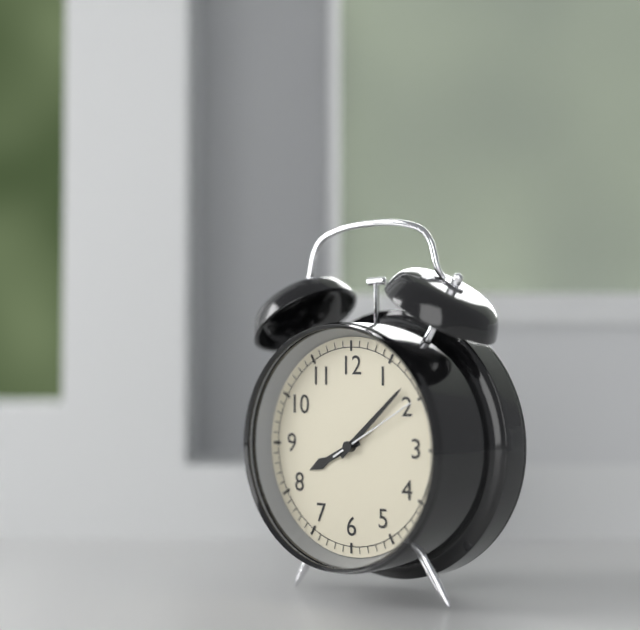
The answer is 8:08:10
